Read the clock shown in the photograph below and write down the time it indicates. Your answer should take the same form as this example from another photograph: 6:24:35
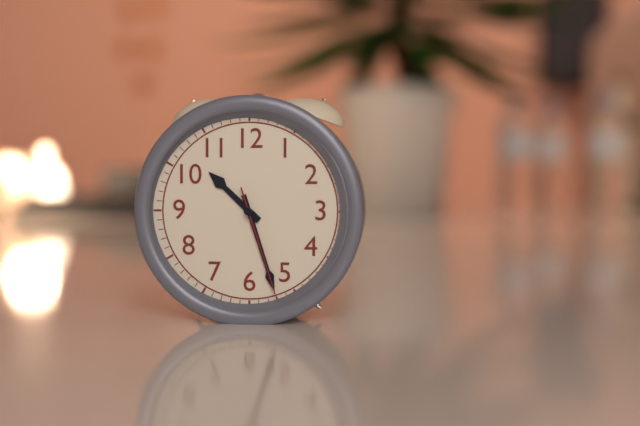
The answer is 10:27:27
